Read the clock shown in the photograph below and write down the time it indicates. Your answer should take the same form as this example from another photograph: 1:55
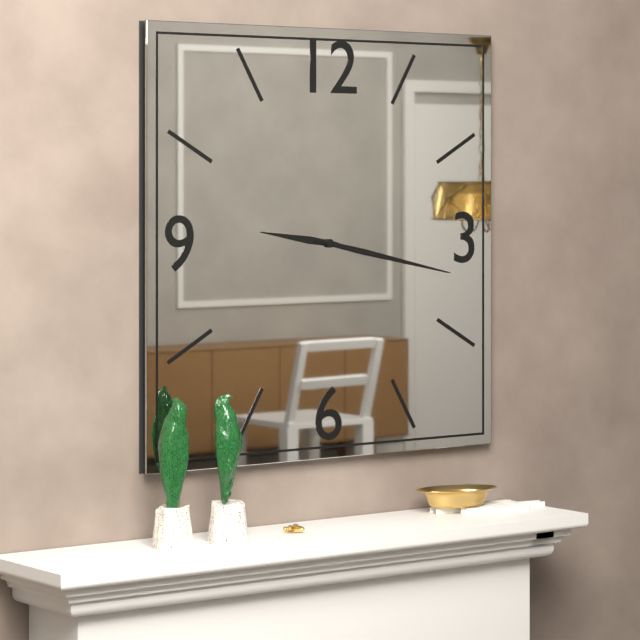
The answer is 9:17
